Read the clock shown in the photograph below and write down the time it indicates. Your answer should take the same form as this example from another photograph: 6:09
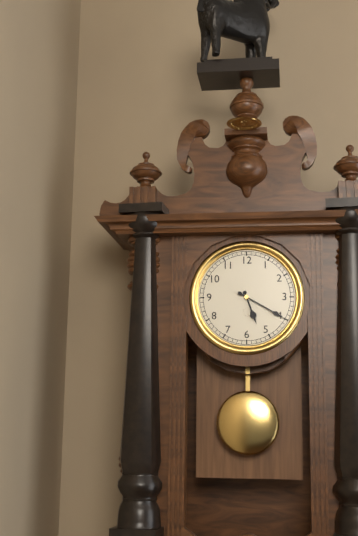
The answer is 5:20
